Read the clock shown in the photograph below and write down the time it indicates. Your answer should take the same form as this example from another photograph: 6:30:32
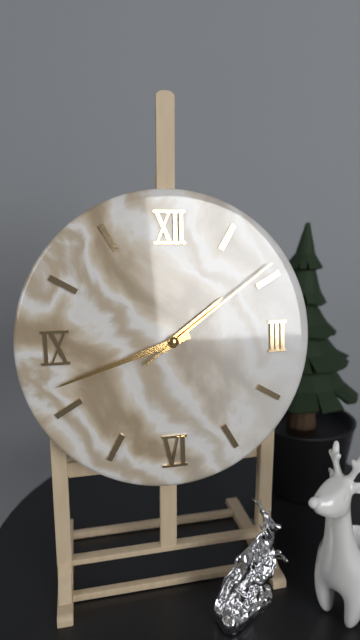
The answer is 1:42:09
